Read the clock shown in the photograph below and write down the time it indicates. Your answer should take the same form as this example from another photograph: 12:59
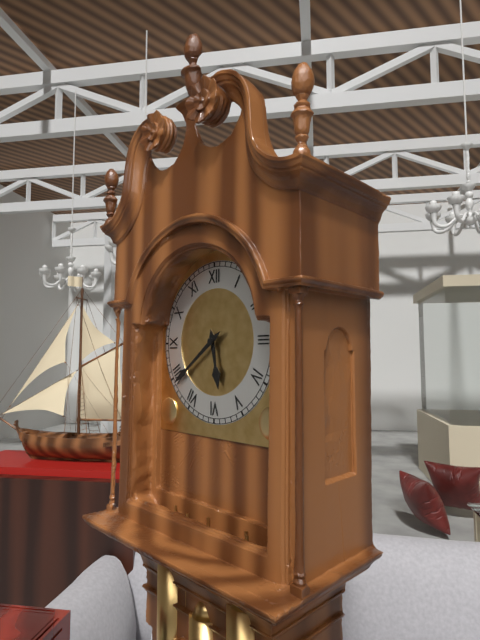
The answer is 5:39
